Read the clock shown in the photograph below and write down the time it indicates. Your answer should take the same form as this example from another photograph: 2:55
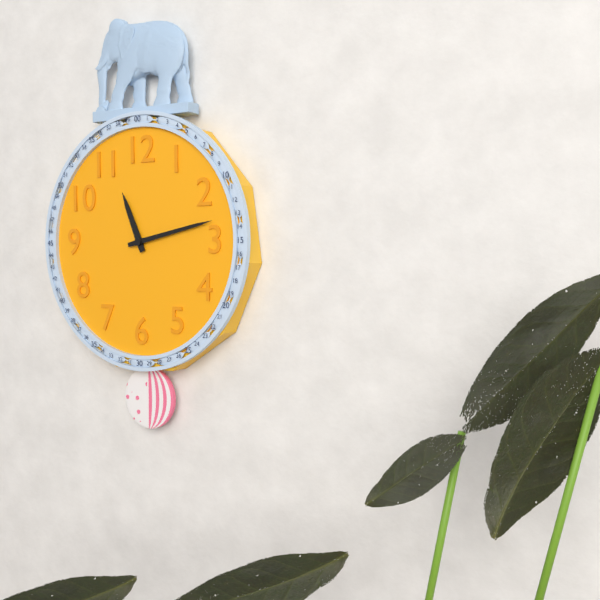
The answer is 11:13
